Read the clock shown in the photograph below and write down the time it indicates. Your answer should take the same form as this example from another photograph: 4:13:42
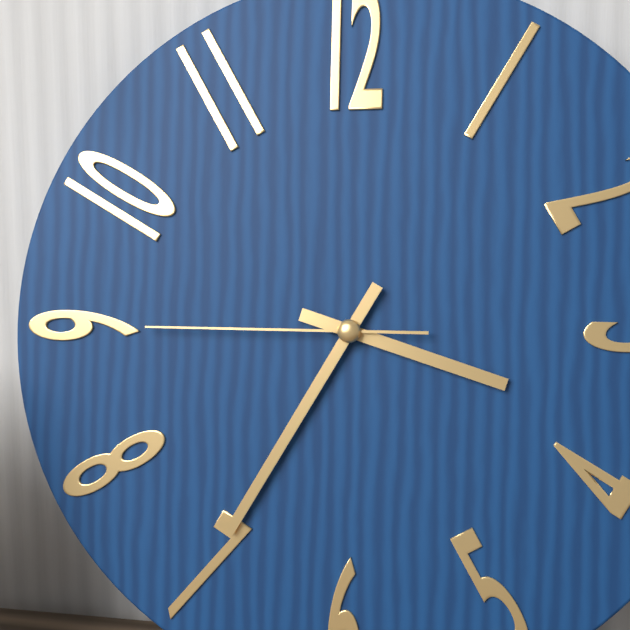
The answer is 3:35:45
